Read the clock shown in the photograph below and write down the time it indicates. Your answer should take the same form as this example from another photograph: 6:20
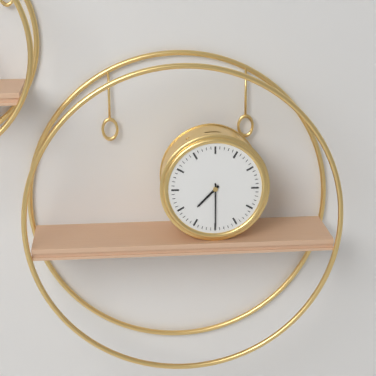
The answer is 7:30
